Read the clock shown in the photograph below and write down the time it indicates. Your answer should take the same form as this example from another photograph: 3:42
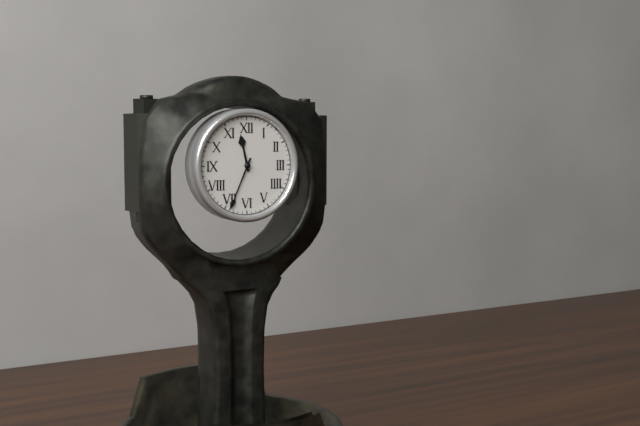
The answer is 11:34
